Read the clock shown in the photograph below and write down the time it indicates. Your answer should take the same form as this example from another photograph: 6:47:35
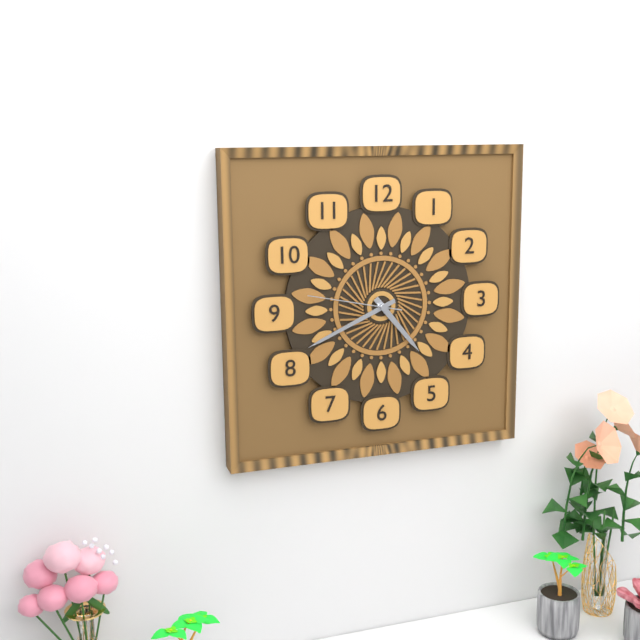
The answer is 4:41:47
